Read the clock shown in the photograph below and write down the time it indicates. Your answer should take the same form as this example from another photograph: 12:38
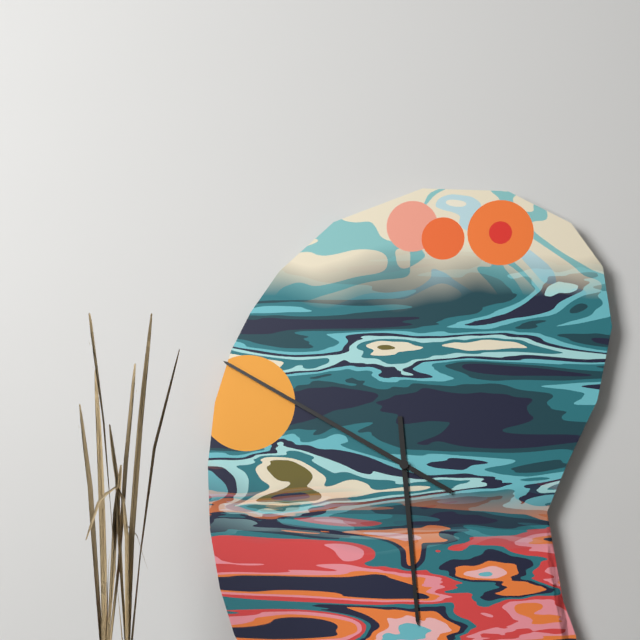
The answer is 5:50
